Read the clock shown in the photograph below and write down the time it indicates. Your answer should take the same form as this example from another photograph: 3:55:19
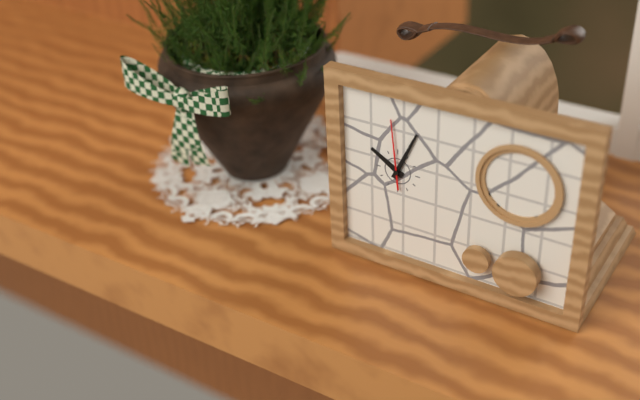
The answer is 10:04:59
